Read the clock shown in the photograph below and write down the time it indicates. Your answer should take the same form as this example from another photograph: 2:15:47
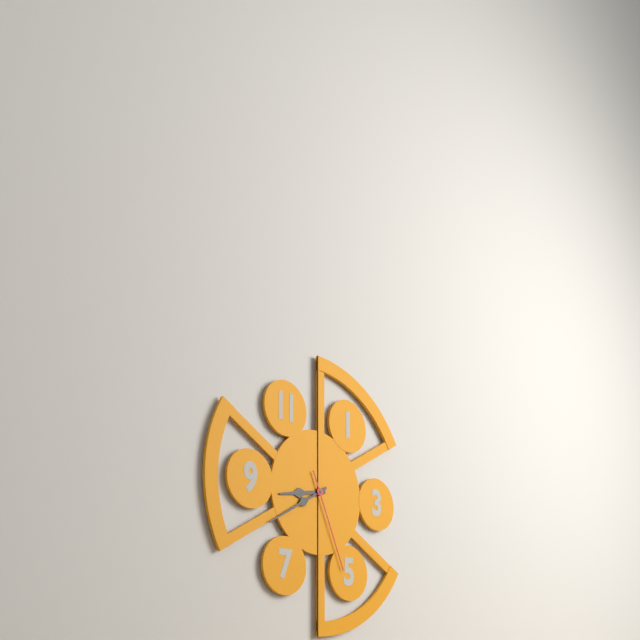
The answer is 8:40:26
